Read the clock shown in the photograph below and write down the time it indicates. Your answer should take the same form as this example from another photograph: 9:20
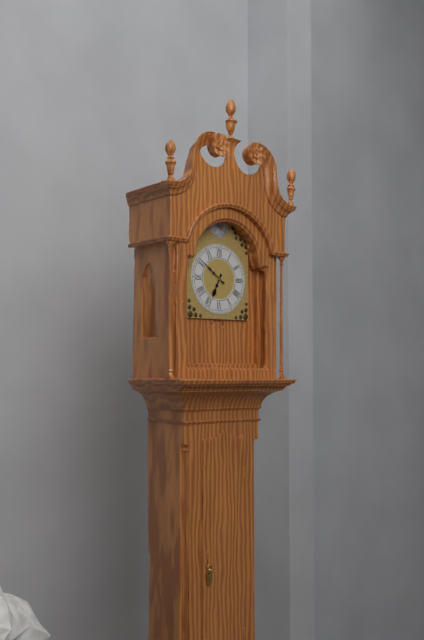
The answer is 6:51
